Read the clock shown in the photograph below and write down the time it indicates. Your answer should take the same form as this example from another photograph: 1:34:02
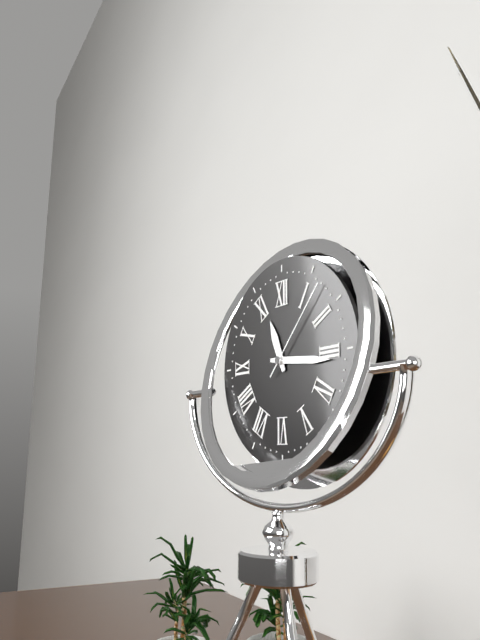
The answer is 11:16:07
